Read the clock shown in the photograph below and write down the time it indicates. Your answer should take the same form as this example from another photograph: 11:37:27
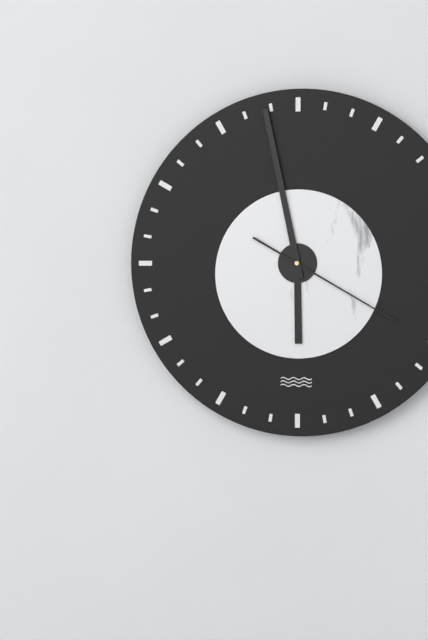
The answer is 5:58:20
